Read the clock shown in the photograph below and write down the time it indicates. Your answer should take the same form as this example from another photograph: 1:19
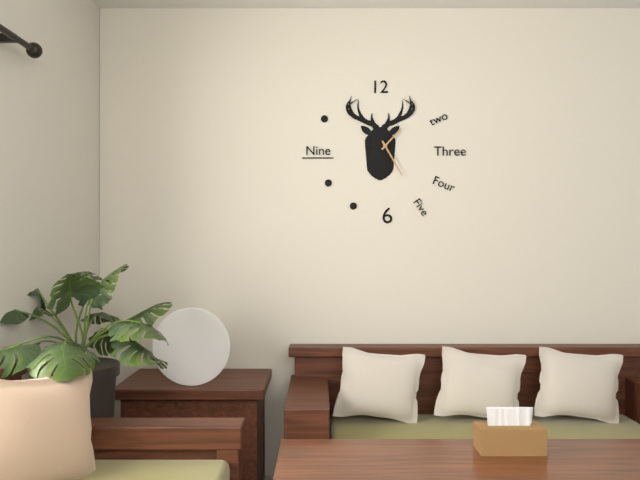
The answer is 1:25
